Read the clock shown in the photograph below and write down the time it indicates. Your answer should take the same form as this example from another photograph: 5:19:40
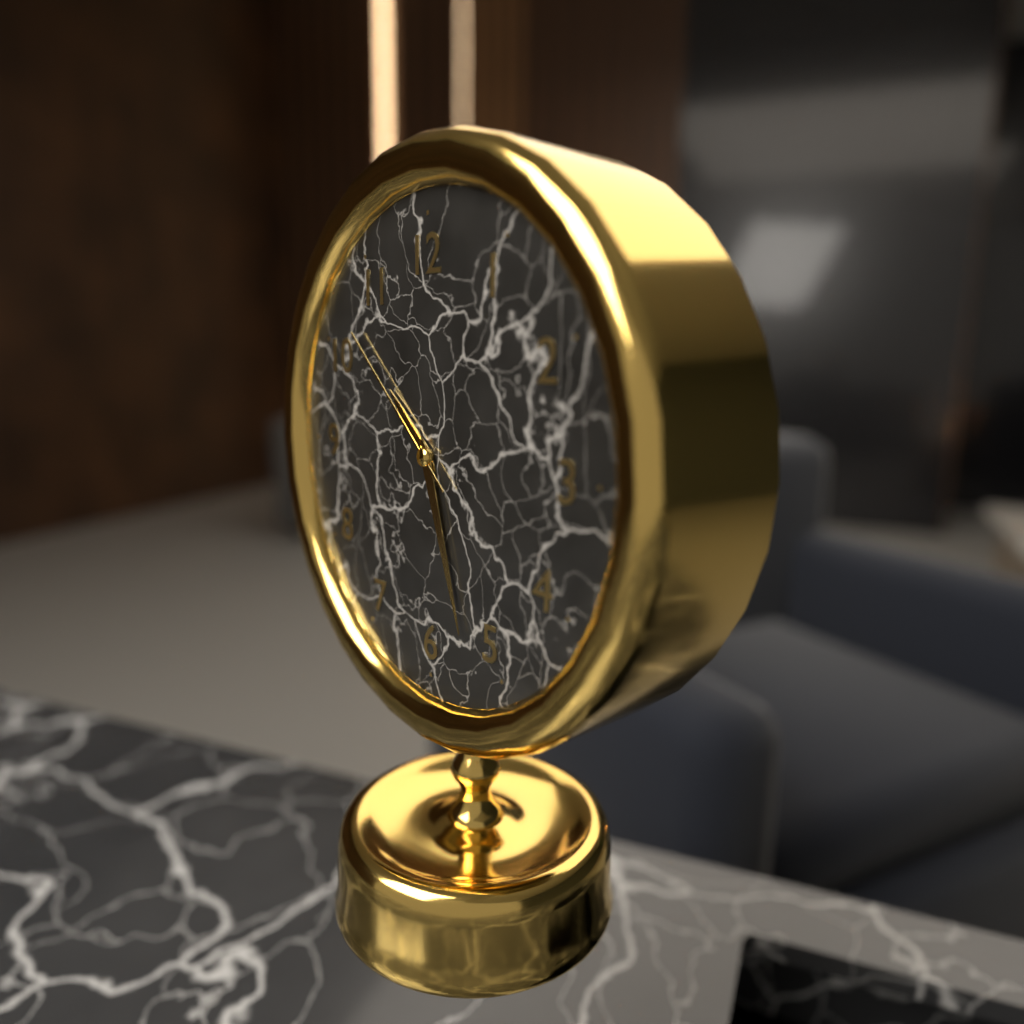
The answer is 10:27:52
